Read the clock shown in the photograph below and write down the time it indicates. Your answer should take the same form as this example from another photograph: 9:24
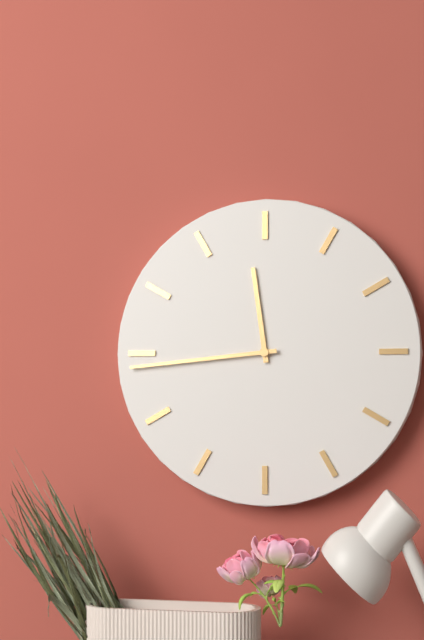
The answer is 11:44
